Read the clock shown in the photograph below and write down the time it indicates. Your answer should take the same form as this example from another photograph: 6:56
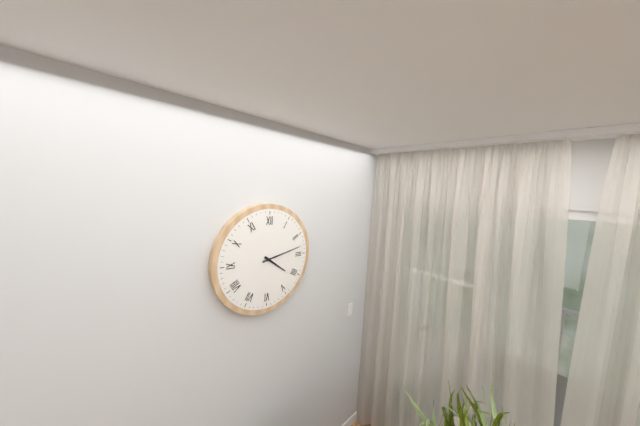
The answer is 4:13
